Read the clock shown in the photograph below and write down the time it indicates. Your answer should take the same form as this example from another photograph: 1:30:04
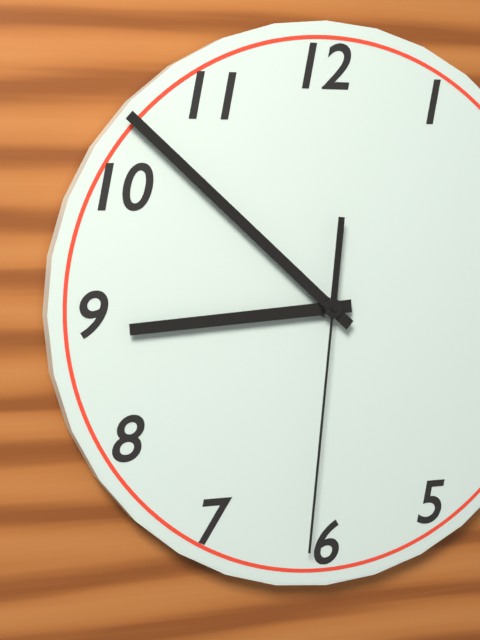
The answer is 8:52:31
